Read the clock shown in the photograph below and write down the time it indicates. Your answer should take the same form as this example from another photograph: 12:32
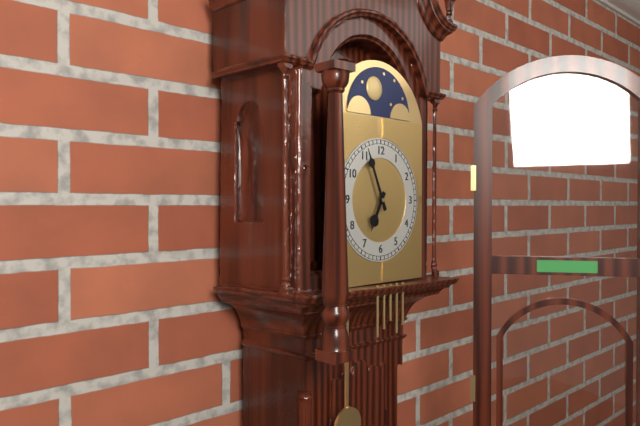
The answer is 6:56
